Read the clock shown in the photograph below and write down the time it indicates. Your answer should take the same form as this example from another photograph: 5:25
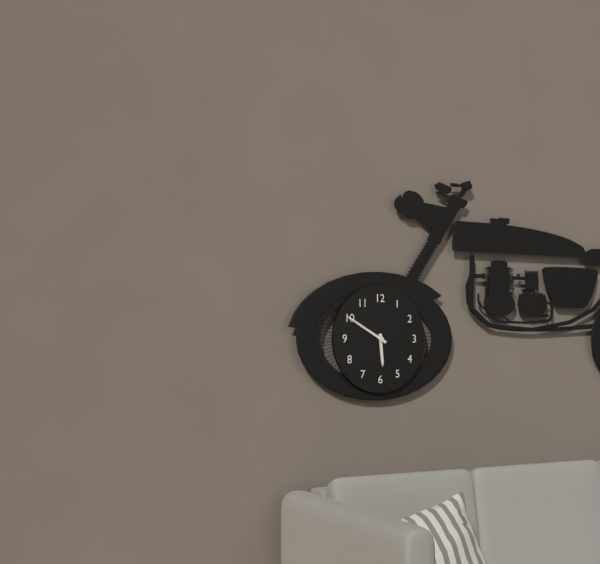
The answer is 5:50
